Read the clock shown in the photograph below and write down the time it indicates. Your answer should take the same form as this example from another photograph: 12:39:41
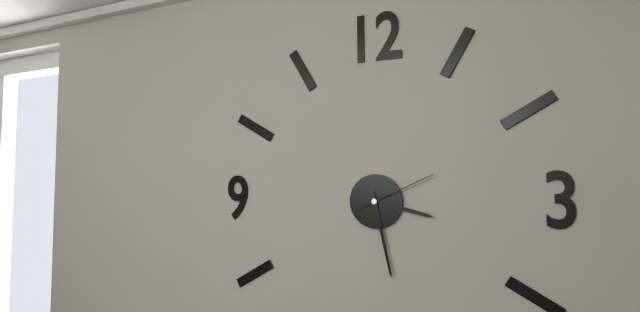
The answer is 3:28:11
